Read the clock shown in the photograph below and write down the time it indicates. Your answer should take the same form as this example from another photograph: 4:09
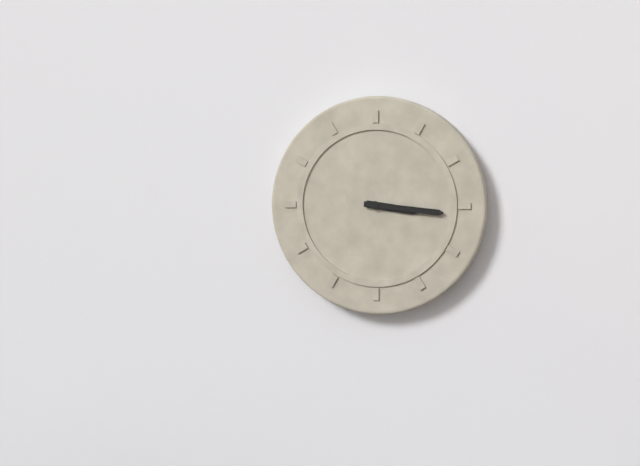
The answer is 3:16
